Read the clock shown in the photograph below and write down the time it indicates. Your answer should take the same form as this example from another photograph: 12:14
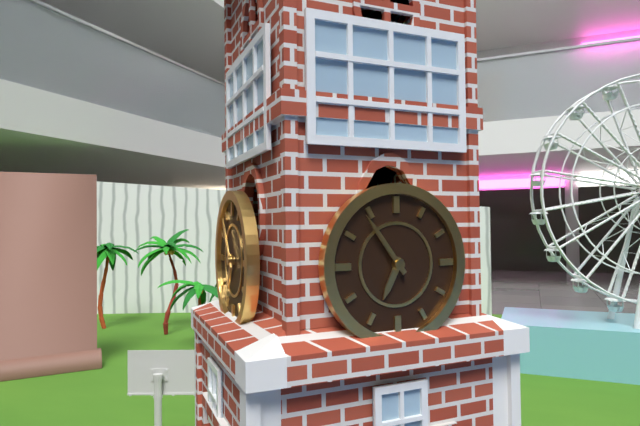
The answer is 6:54
